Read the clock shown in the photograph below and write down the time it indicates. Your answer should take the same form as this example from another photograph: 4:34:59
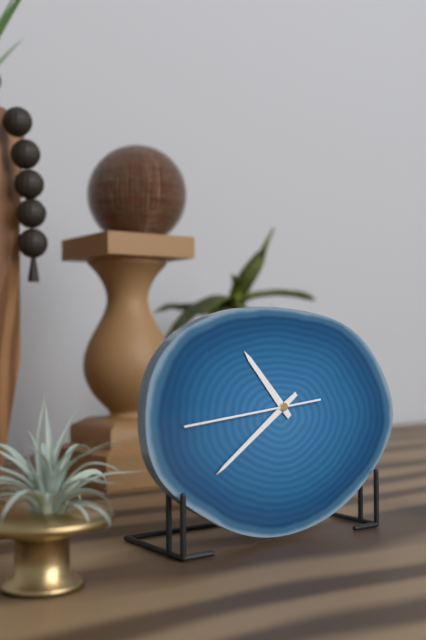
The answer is 10:39:44
